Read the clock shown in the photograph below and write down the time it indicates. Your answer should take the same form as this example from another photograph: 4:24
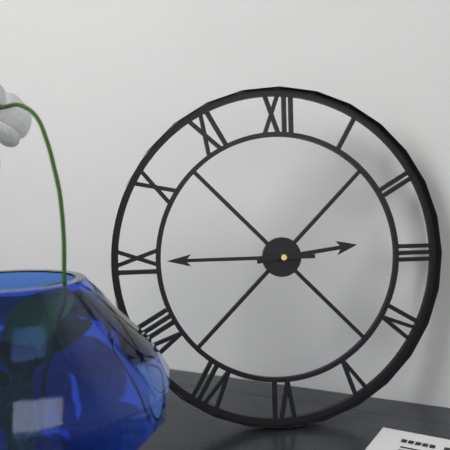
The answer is 2:45
